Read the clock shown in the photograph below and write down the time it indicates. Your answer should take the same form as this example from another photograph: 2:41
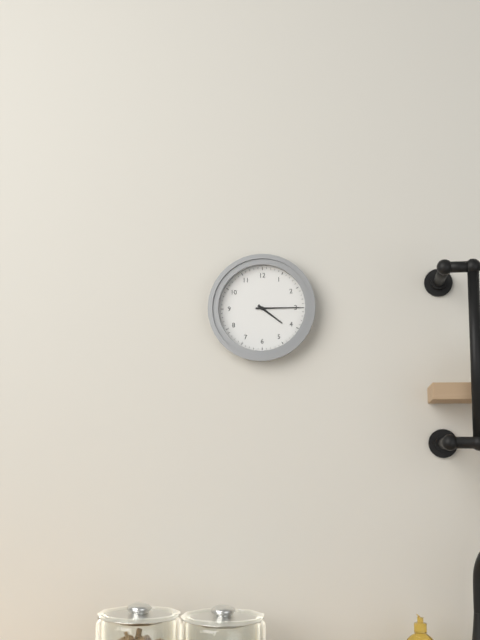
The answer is 4:15
